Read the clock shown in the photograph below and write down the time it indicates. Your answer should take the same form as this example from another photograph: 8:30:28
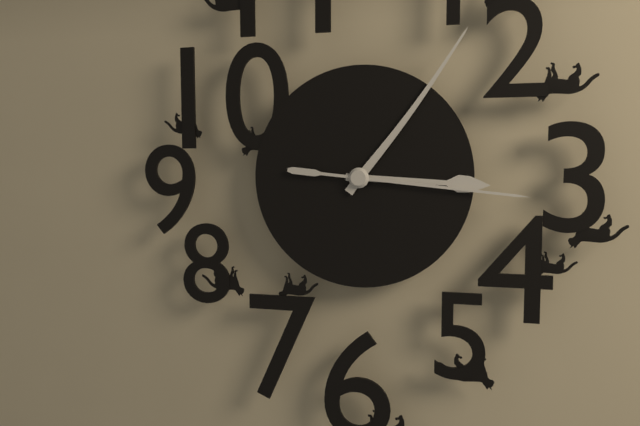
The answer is 3:06:16
